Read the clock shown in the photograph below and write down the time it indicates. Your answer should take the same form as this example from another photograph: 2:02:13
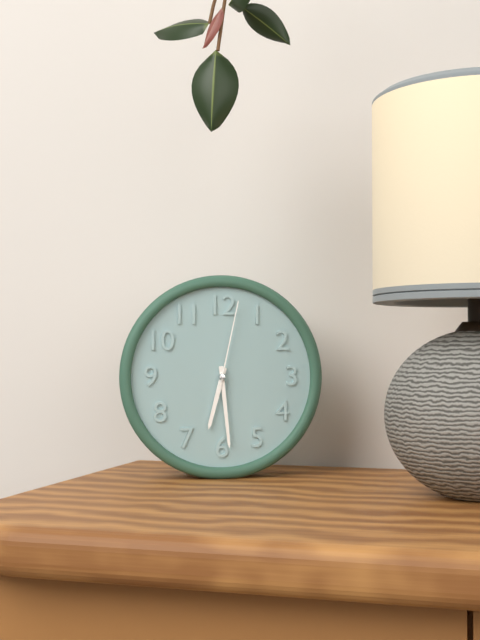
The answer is 6:29:02
